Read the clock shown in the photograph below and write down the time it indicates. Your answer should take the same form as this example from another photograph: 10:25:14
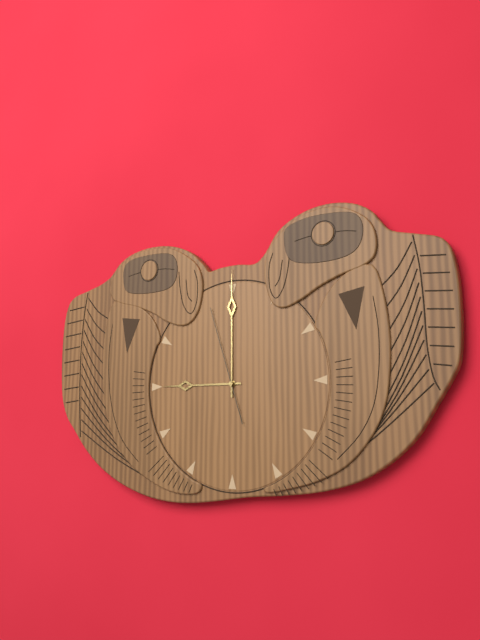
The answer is 9:00:57
